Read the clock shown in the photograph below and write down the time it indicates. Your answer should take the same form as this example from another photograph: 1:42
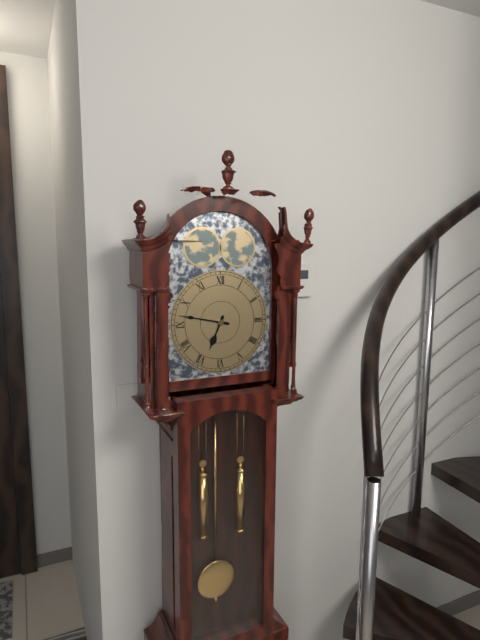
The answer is 6:47
